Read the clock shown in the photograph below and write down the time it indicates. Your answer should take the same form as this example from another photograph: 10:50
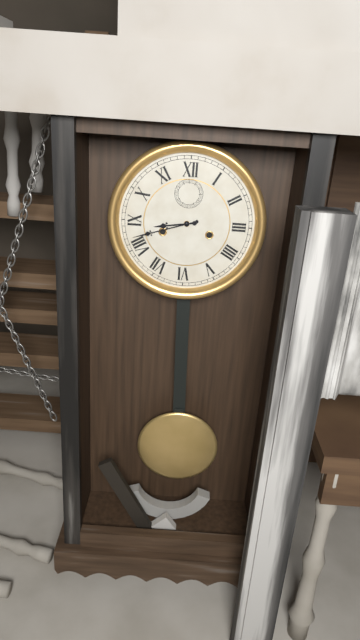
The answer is 8:42
